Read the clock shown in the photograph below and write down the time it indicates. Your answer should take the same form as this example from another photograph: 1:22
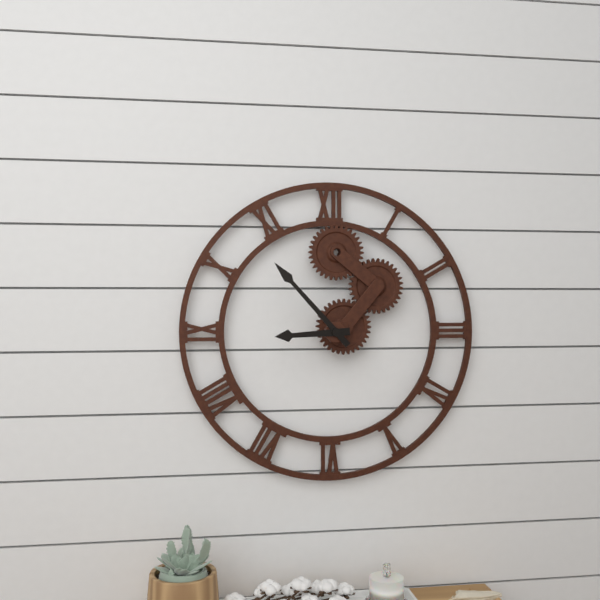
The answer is 8:53
